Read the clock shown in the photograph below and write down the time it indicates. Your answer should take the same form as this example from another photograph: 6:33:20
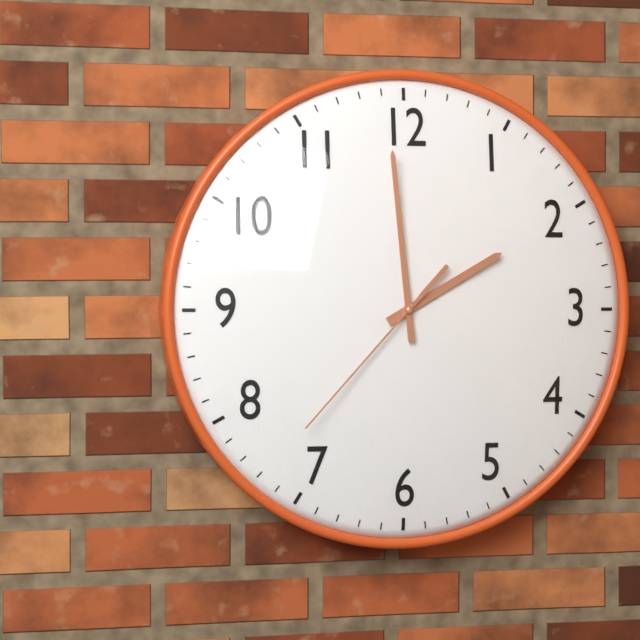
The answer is 1:59:37
